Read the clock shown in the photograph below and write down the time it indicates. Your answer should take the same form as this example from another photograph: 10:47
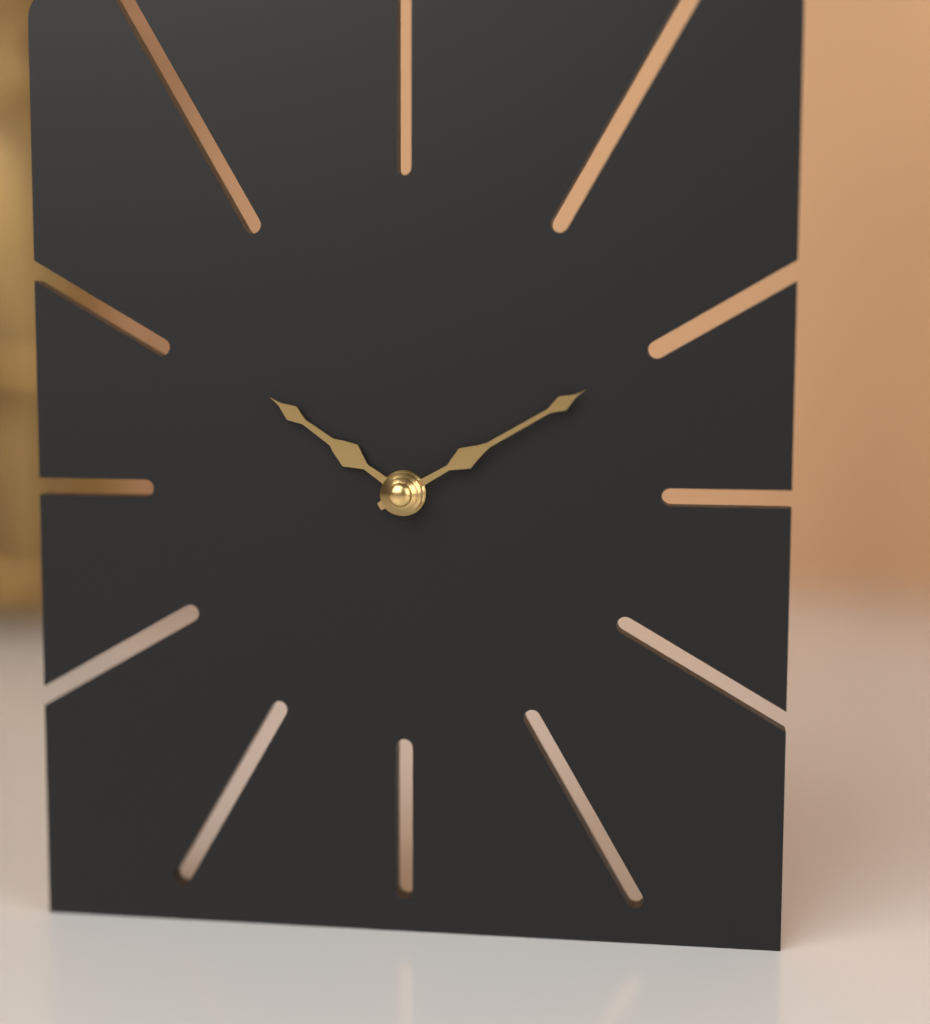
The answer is 10:10
